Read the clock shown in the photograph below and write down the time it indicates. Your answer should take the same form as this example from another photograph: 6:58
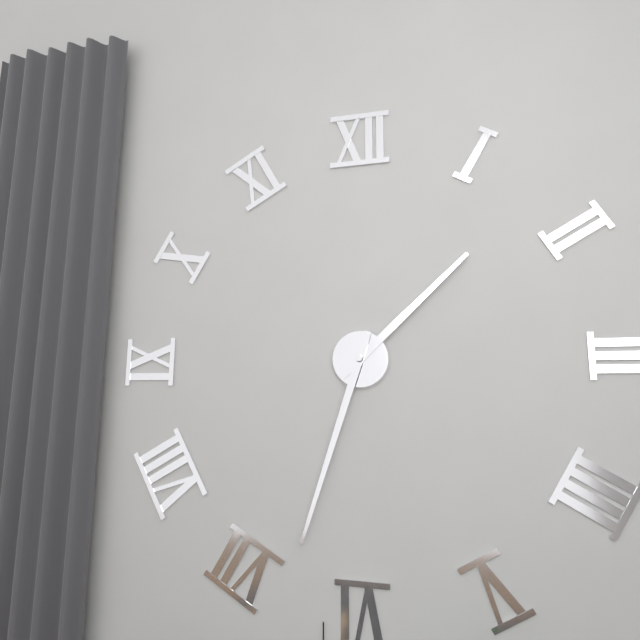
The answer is 1:33
